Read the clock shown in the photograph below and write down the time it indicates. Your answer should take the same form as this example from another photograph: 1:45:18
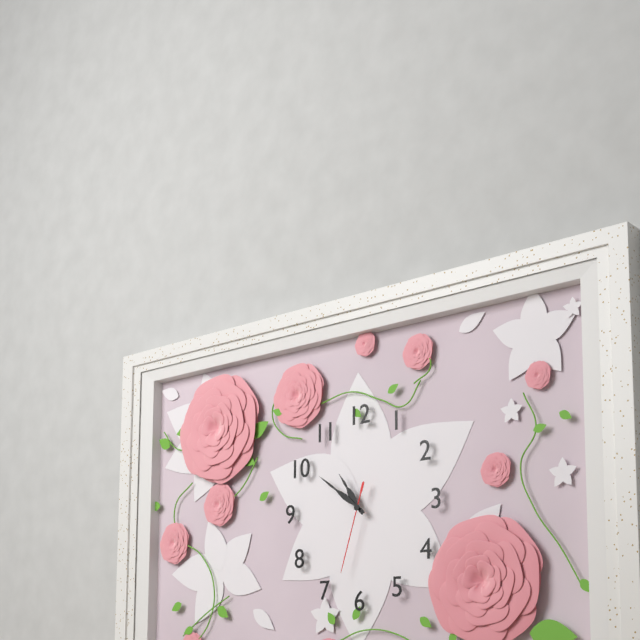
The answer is 10:51:33
